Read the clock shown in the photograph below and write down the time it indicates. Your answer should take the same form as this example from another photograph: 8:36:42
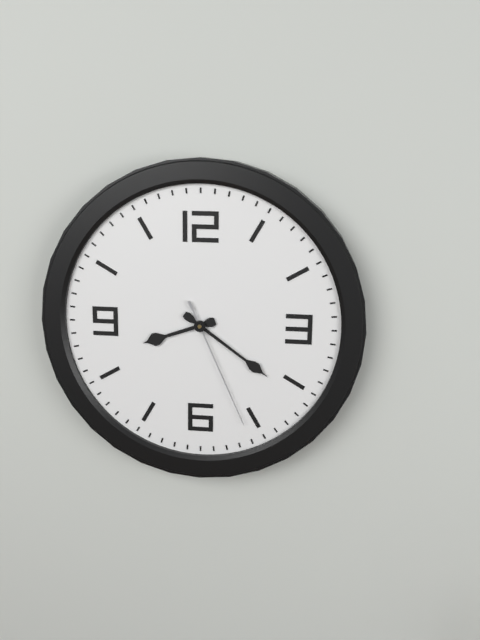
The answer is 8:21:26
